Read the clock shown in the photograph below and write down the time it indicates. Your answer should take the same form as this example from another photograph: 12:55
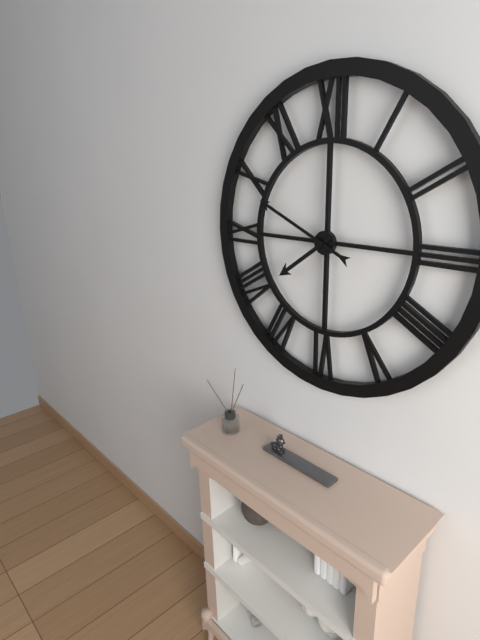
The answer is 7:49
